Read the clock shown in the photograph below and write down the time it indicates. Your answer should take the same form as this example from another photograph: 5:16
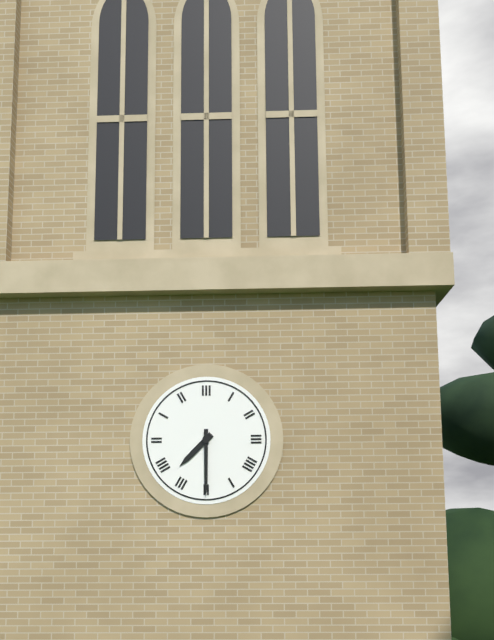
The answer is 7:30
